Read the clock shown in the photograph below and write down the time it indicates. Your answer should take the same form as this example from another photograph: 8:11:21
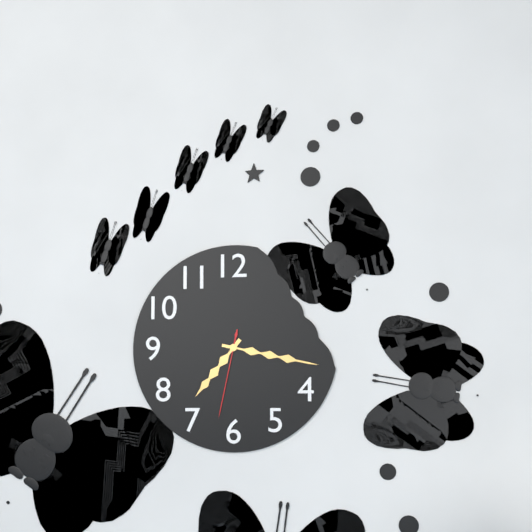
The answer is 7:17:32
